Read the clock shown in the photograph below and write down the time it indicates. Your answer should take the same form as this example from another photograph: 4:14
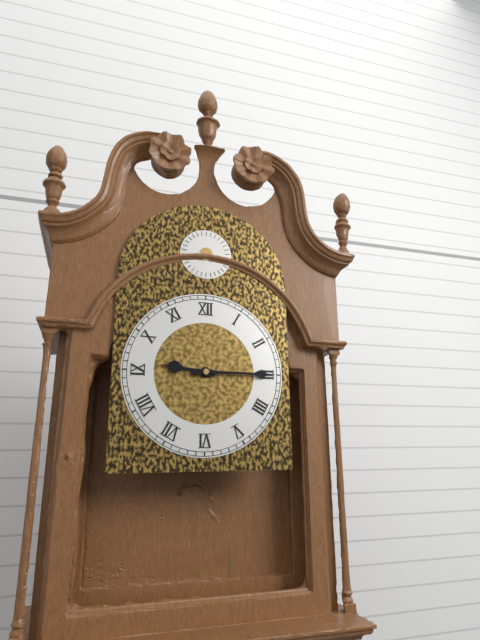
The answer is 9:15
